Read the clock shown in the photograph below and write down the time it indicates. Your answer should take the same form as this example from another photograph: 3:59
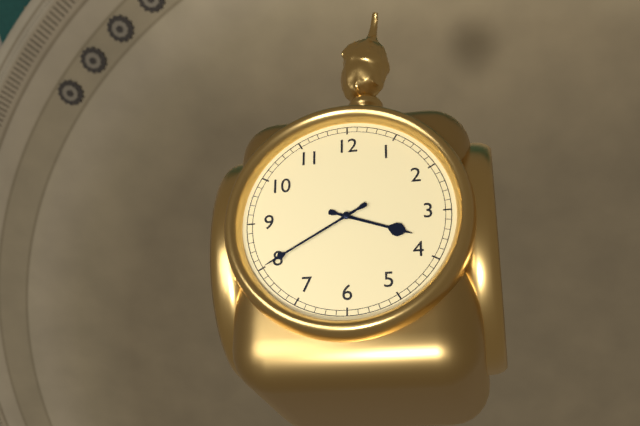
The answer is 3:40
